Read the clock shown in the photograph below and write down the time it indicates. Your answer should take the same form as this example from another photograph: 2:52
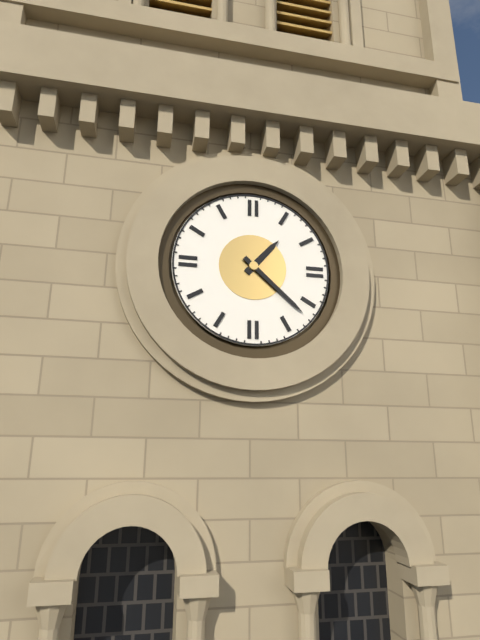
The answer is 1:22
